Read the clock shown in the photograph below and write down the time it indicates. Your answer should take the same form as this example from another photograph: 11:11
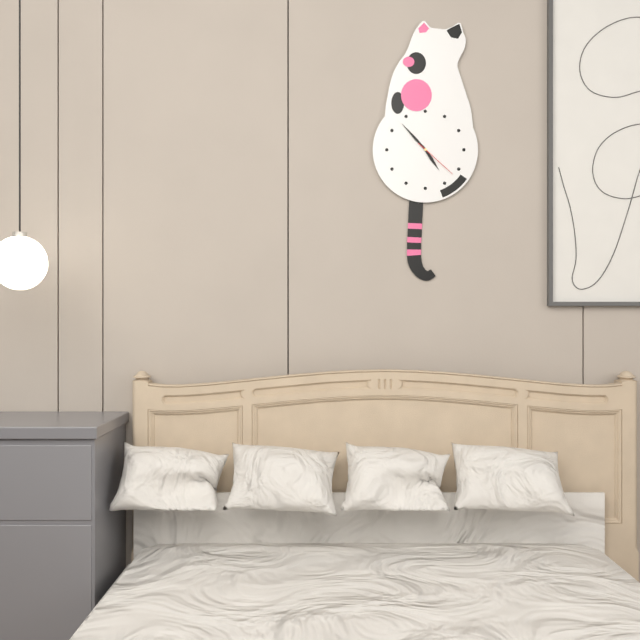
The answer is 4:53
